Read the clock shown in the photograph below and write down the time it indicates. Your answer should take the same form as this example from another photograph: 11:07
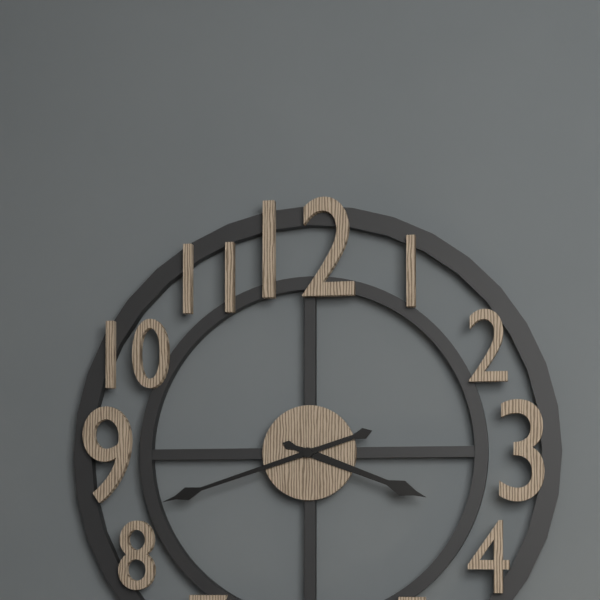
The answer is 3:42
